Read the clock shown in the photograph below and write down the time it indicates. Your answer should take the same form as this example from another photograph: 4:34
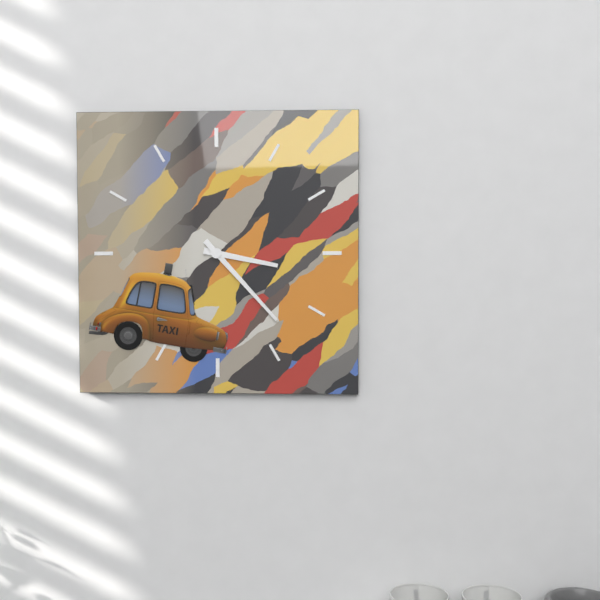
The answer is 3:23
